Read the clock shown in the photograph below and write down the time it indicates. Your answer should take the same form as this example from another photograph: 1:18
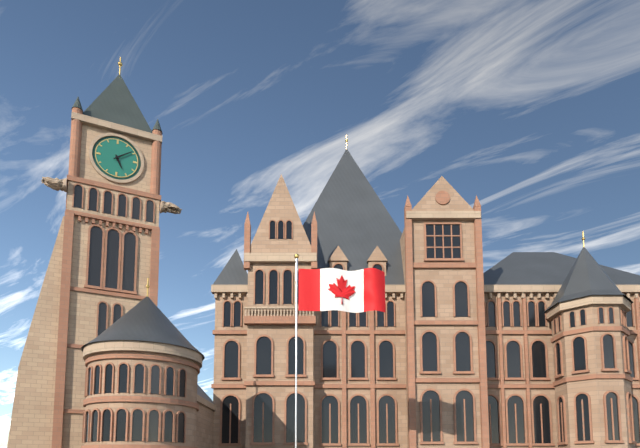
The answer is 5:09
